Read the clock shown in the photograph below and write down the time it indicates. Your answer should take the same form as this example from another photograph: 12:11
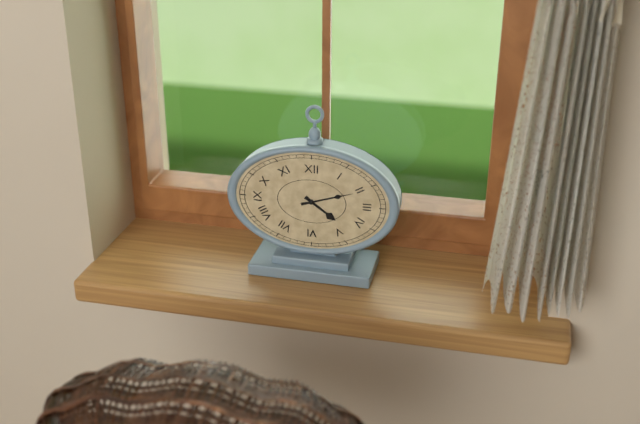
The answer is 4:12
